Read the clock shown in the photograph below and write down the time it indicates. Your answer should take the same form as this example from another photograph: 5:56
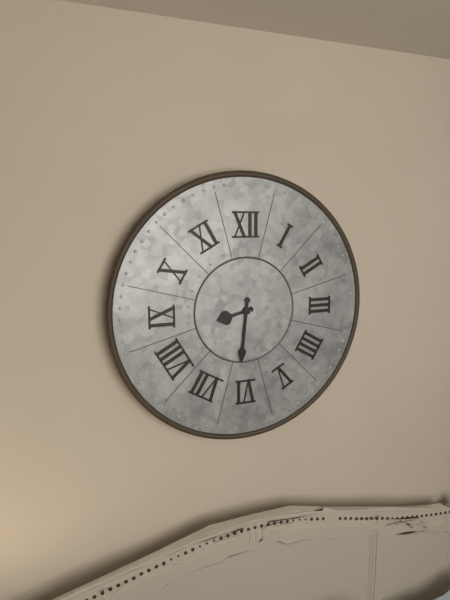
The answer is 8:31
